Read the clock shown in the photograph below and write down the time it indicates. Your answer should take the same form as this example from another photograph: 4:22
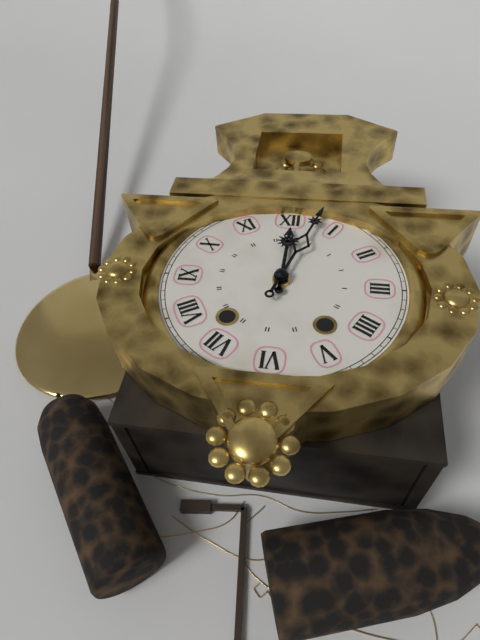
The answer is 12:03
